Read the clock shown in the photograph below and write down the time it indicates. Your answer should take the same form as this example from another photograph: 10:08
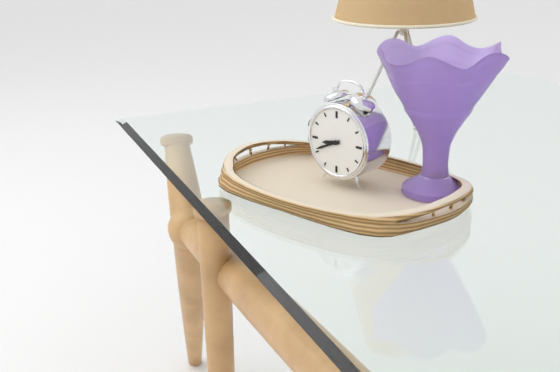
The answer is 8:41
